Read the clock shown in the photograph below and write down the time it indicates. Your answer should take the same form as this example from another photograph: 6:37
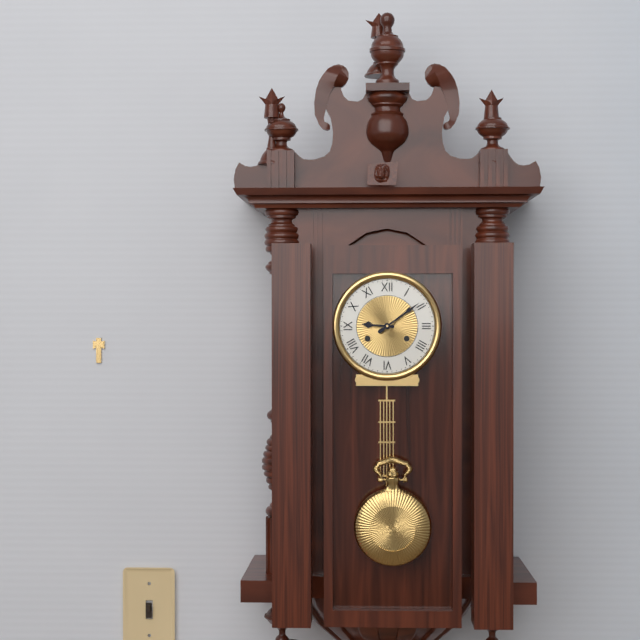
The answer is 9:09
